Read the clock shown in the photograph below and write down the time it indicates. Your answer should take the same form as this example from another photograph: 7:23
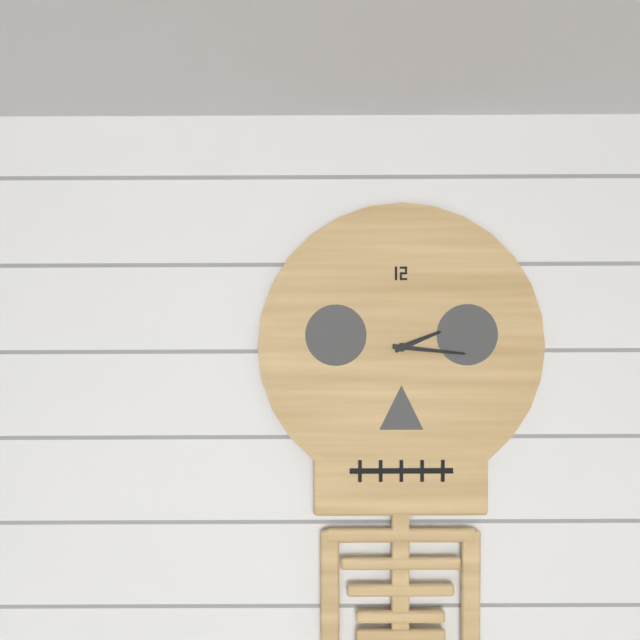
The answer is 2:16
